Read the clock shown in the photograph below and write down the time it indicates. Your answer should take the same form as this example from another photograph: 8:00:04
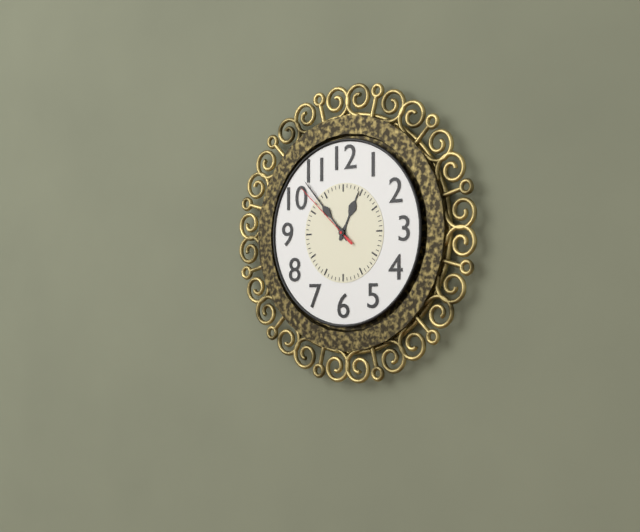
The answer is 12:53:52
